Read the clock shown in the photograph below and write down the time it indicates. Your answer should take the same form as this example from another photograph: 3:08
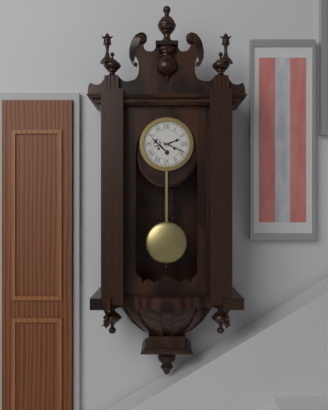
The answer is 2:19
